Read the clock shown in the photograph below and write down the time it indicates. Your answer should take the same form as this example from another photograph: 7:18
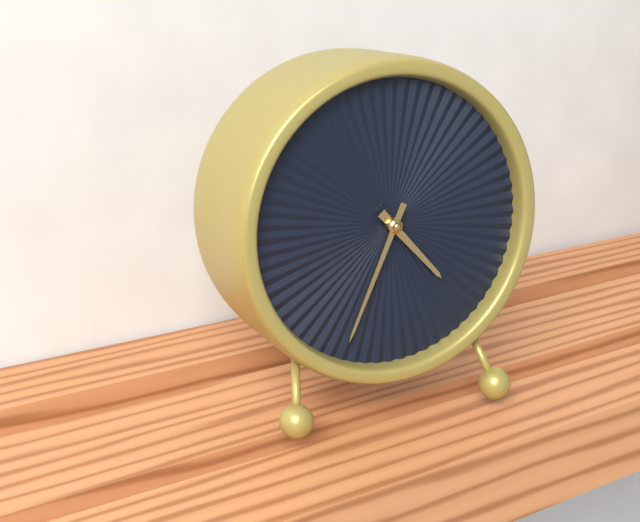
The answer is 4:34
